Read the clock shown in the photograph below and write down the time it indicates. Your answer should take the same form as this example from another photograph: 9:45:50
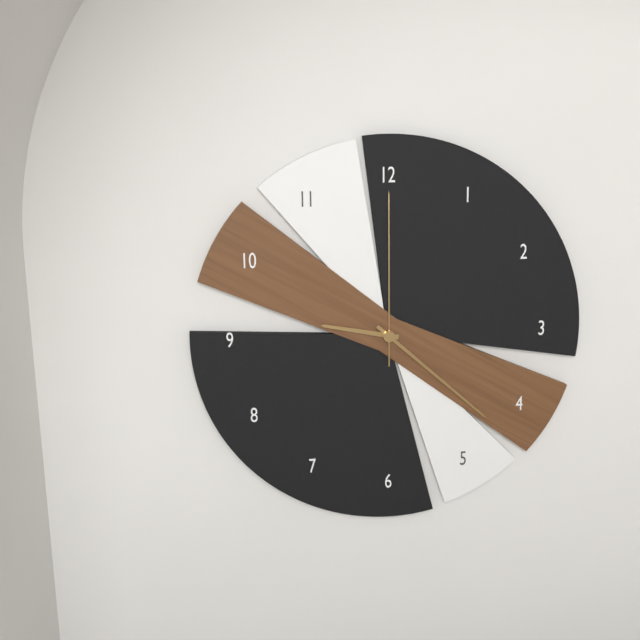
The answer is 9:22:00
